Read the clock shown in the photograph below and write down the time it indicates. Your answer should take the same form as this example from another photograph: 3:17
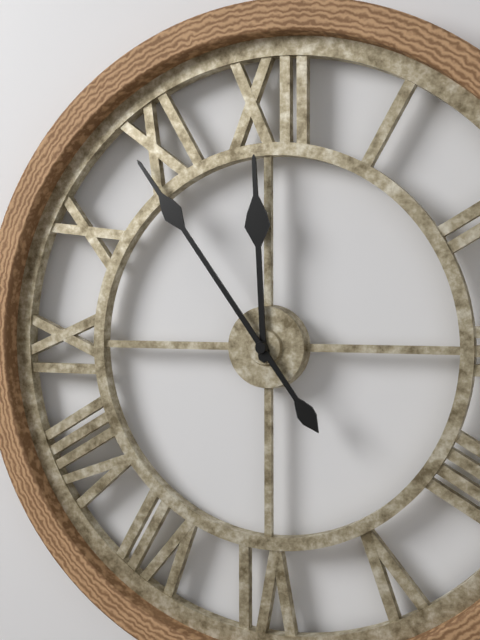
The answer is 11:54
